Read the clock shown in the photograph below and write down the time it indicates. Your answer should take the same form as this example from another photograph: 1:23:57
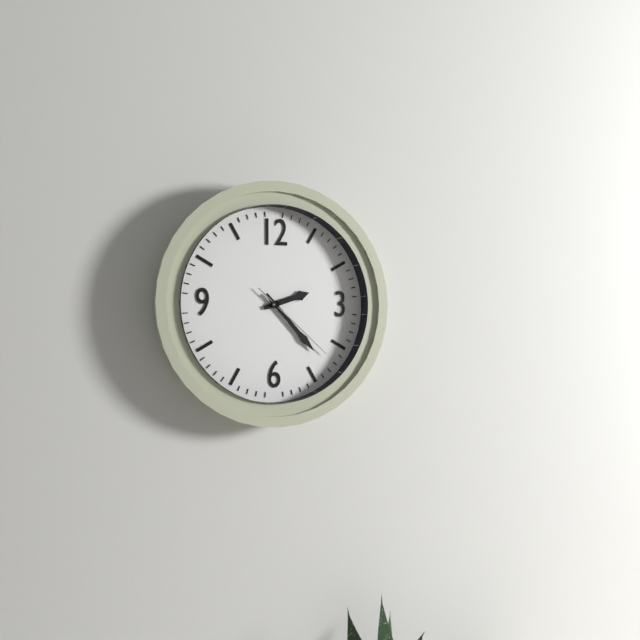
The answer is 2:23:22
